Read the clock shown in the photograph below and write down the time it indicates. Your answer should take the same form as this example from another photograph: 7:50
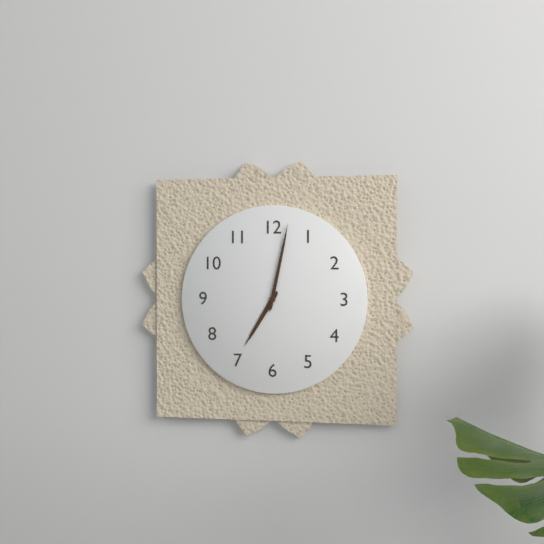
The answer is 7:02
